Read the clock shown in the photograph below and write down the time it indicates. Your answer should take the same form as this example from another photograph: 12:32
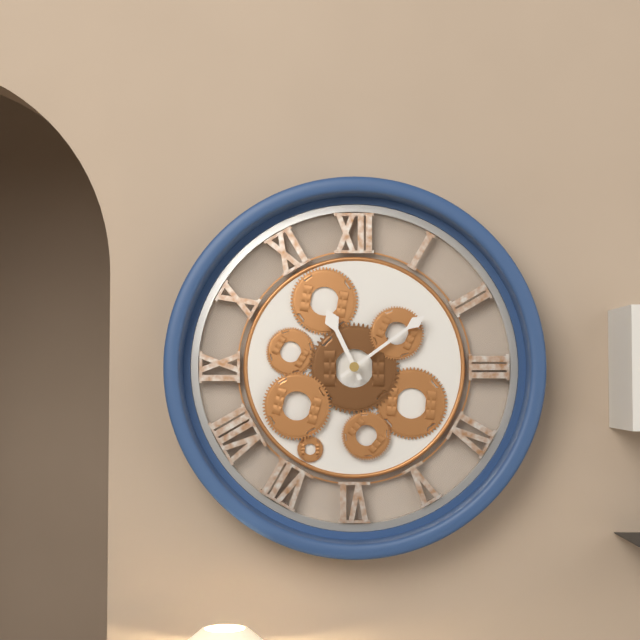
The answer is 11:09
